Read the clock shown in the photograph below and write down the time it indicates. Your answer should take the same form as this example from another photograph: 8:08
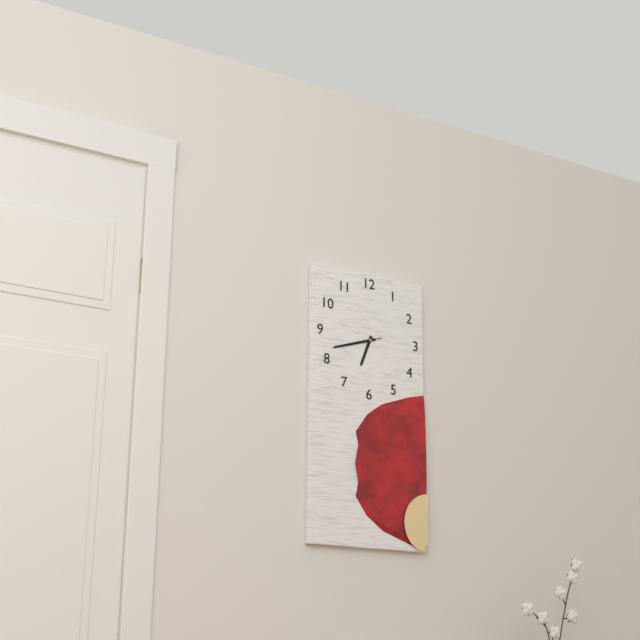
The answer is 6:42
